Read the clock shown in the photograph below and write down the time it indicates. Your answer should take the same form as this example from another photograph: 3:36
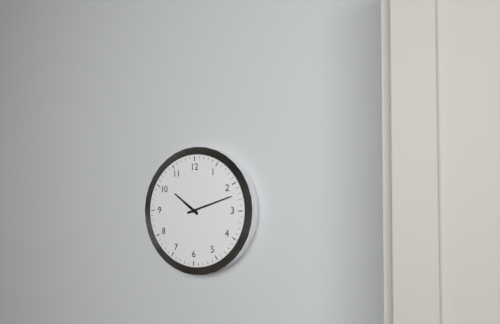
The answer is 10:12
